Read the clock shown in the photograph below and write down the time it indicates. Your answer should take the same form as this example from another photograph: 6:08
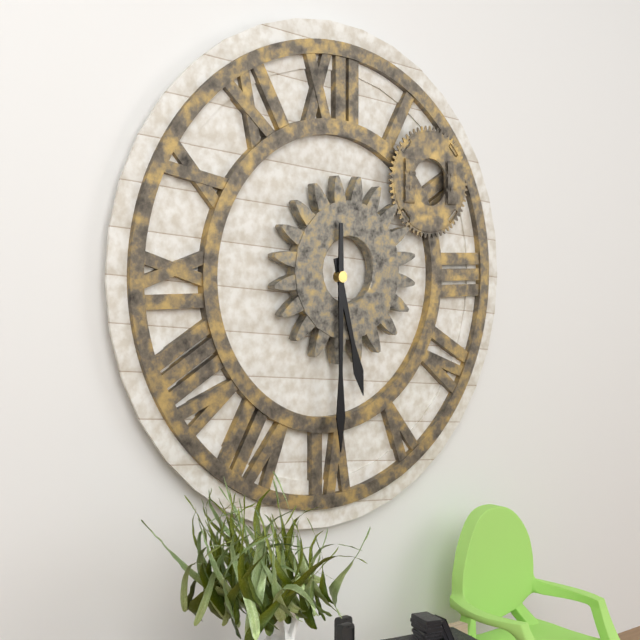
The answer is 5:30
